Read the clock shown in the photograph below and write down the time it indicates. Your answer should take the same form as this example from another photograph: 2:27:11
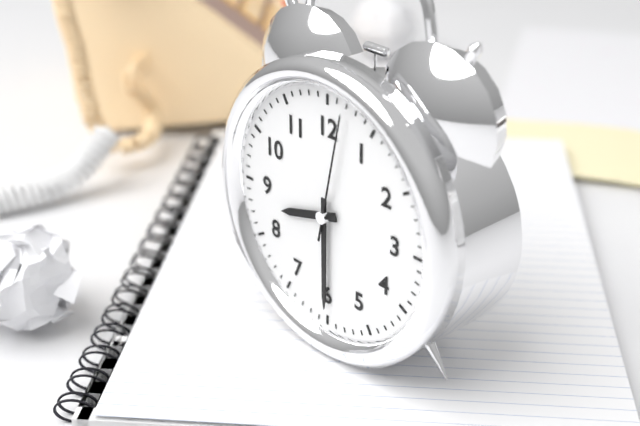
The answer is 8:30:02
